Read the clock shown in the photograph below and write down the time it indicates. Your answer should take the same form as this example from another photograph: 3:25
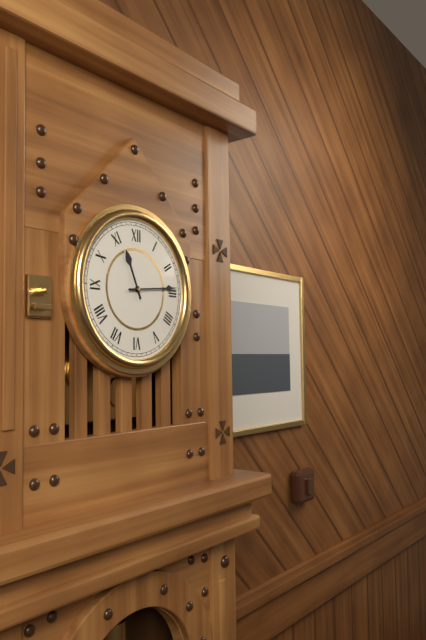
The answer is 11:14
